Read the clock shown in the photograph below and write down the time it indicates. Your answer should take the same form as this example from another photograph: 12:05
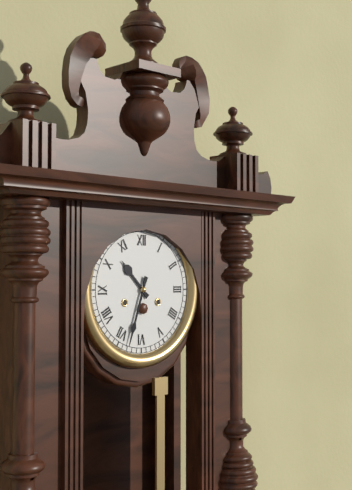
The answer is 10:33
